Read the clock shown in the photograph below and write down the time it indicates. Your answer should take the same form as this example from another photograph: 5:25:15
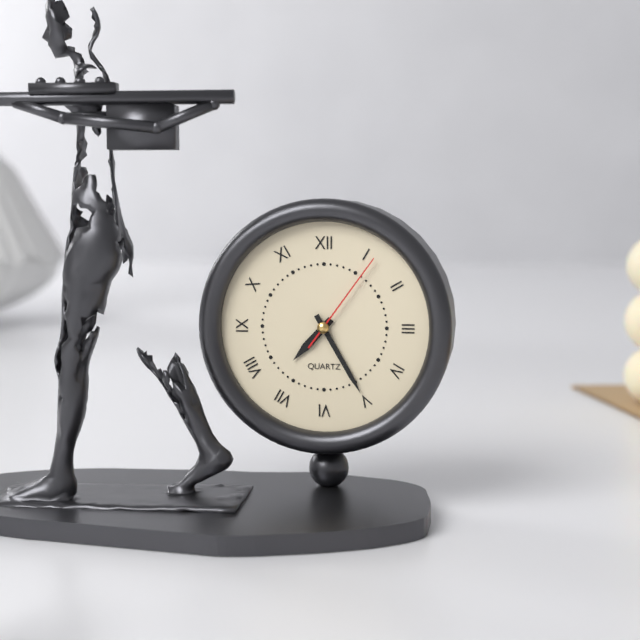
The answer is 7:25:06
